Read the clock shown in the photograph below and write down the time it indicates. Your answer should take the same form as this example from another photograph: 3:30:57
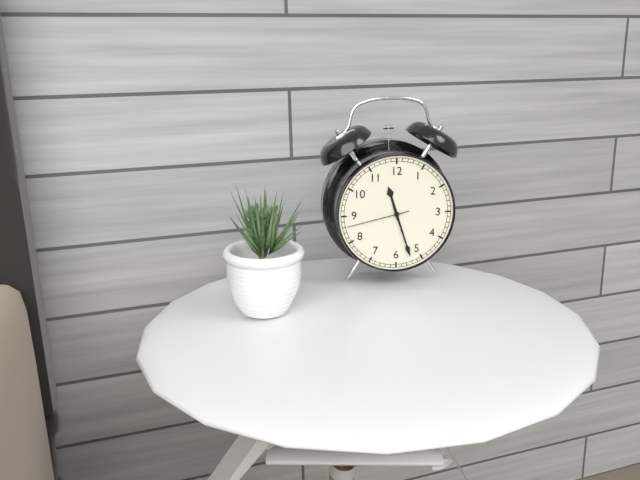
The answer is 11:27:43
